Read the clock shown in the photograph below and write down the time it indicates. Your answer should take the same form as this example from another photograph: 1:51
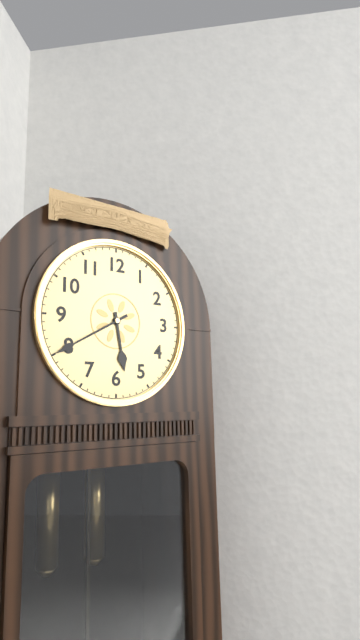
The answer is 5:40
